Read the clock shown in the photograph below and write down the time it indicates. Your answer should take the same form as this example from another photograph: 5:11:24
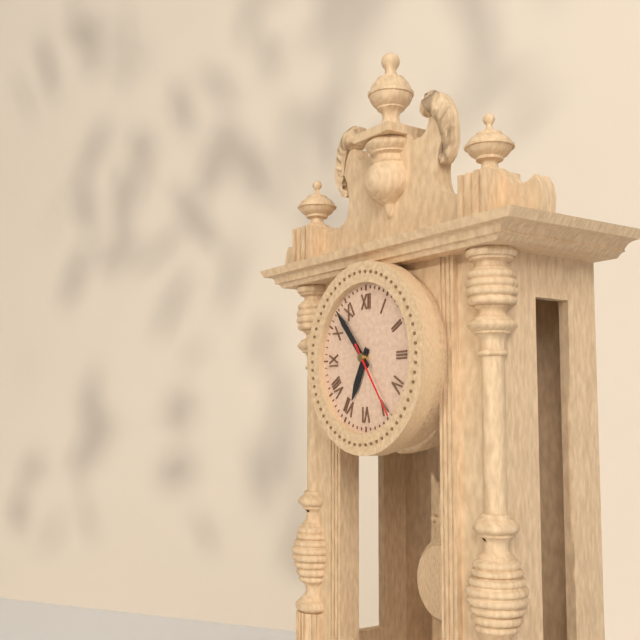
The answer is 6:53:24
